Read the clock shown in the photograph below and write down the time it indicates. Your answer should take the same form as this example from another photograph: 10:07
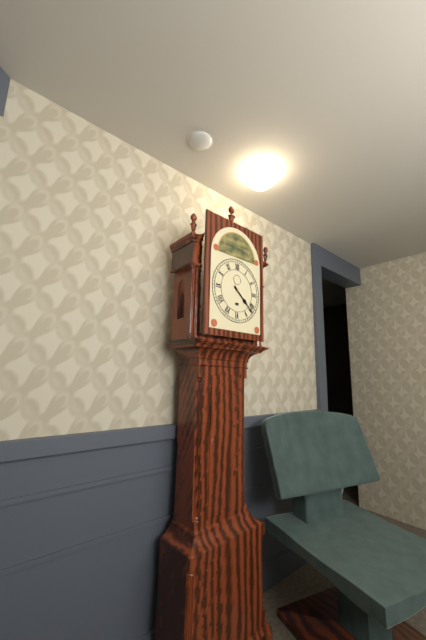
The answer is 4:22
